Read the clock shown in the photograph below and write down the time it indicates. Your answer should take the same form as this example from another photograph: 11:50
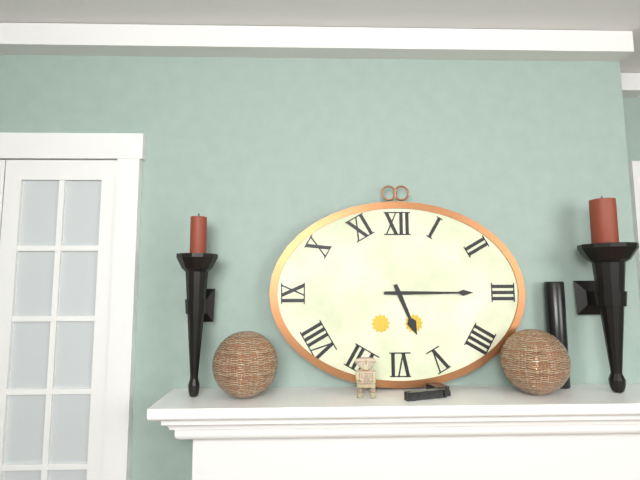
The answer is 5:15
